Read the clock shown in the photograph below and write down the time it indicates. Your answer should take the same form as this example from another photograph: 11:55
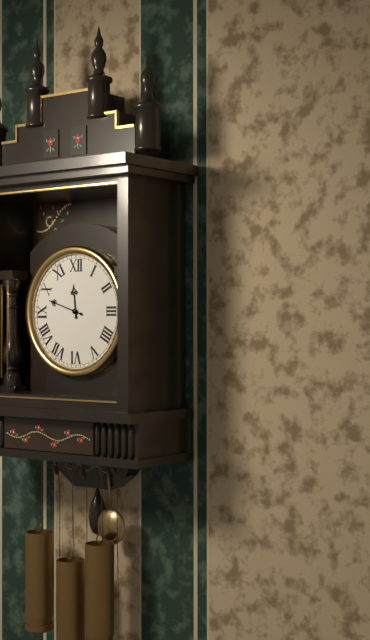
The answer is 11:48
